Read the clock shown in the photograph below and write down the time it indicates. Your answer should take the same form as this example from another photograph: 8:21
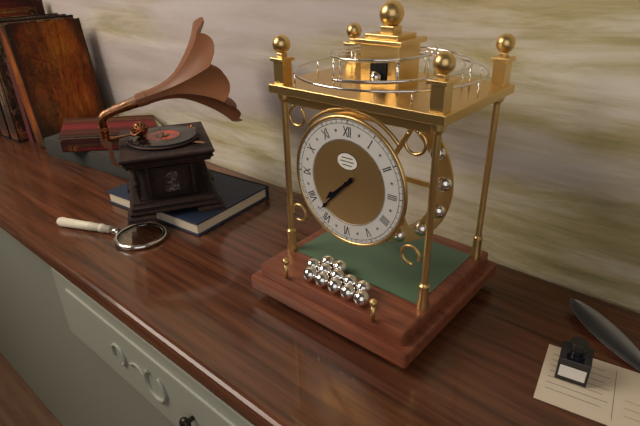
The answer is 7:37
